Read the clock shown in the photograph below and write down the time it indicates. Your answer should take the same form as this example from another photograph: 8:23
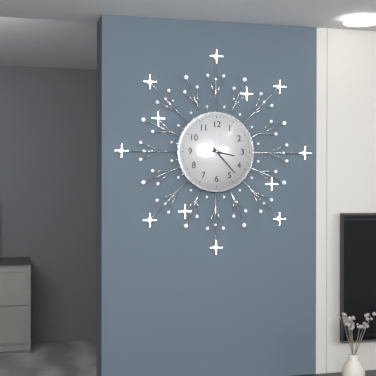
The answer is 3:23
